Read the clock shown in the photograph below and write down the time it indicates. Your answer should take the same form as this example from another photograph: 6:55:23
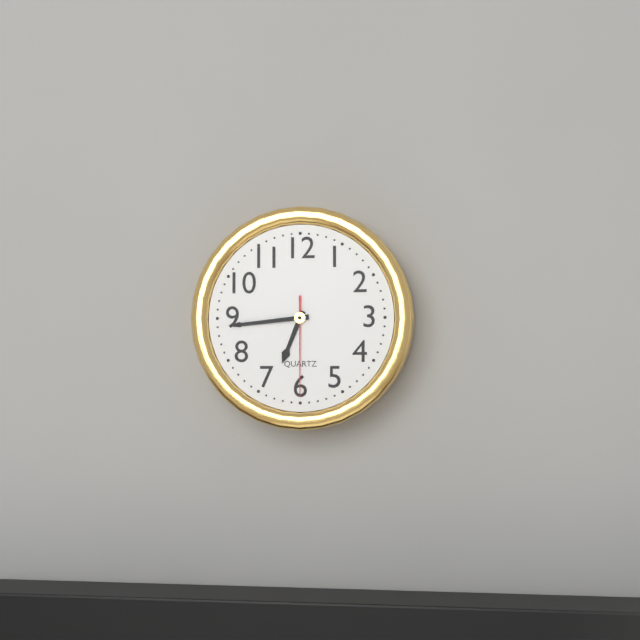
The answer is 6:44:30
